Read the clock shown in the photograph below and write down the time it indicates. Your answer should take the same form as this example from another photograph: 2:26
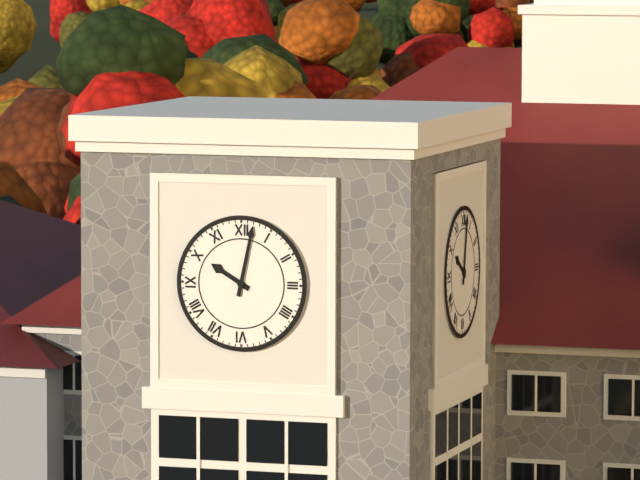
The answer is 10:02
